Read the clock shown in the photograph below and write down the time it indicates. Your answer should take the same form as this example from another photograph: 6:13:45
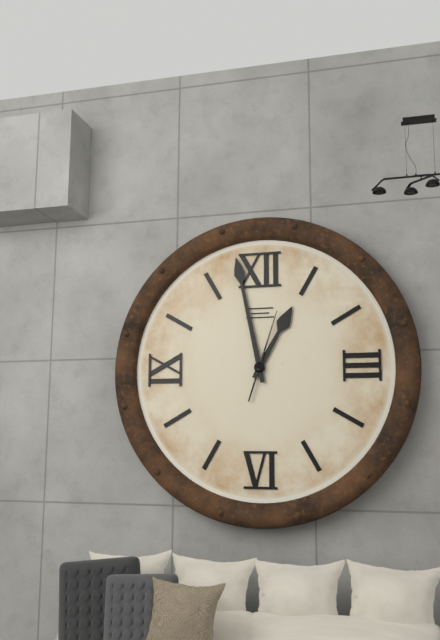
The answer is 12:58:03
